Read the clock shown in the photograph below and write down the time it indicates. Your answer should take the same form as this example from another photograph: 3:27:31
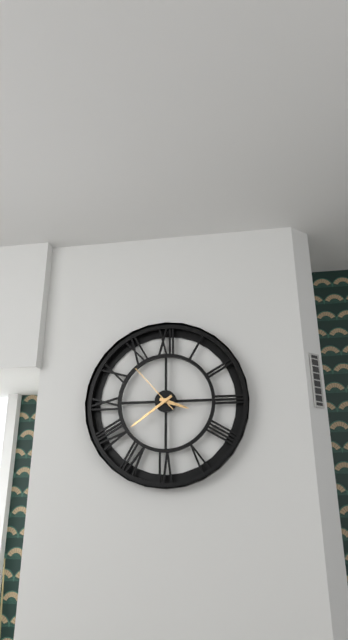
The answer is 3:39:53
